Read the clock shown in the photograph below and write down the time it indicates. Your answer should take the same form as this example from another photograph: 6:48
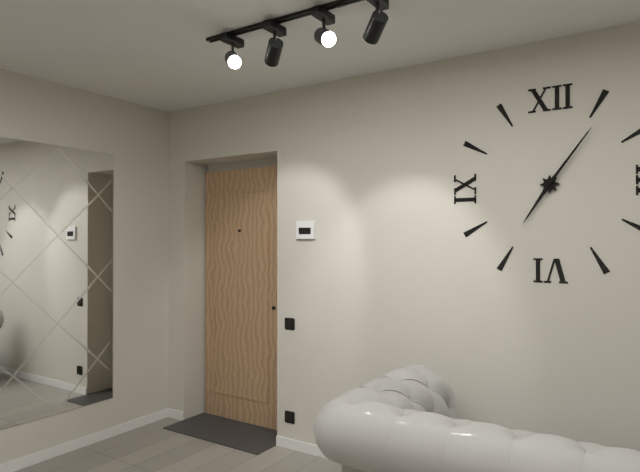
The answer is 7:06
